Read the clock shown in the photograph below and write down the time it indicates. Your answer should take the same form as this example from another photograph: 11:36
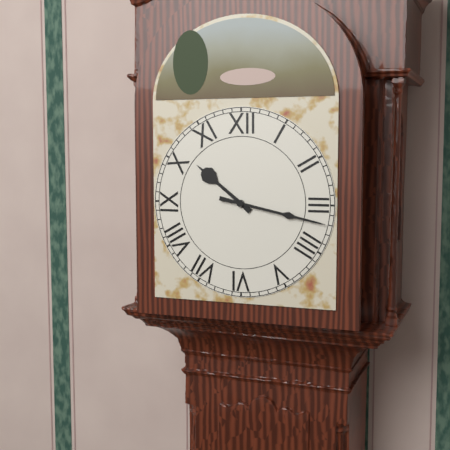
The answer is 10:17
